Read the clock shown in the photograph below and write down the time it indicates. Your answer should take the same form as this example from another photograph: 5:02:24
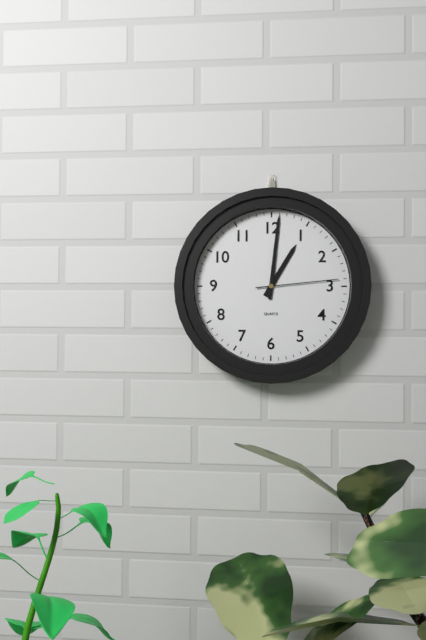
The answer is 1:01:14
